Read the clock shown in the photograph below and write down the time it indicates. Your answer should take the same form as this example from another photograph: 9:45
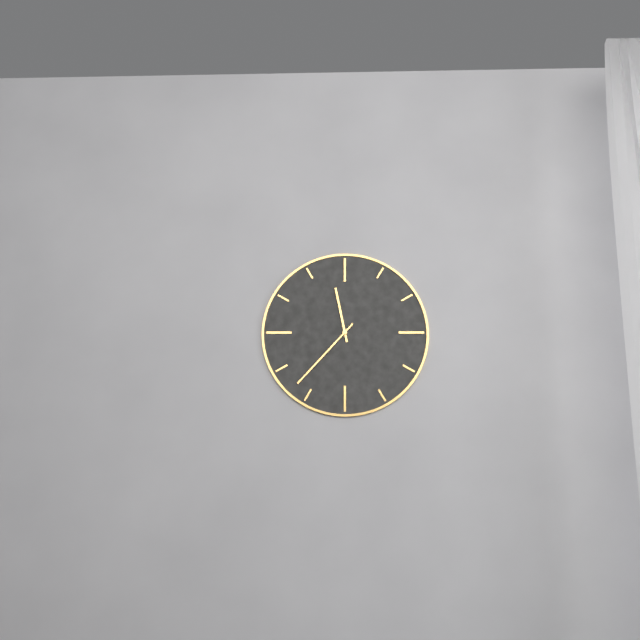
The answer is 11:37
